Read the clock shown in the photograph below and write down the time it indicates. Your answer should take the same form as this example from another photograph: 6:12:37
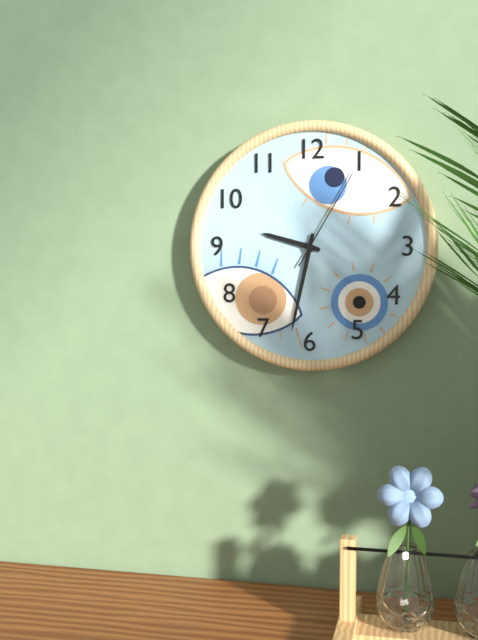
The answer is 9:32:05
